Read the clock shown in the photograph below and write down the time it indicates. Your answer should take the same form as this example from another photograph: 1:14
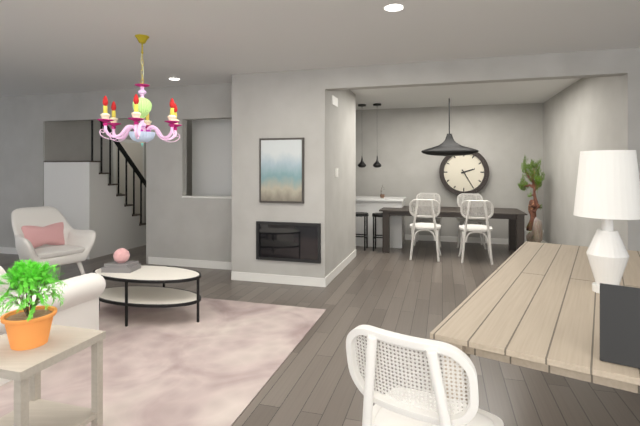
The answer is 2:25
